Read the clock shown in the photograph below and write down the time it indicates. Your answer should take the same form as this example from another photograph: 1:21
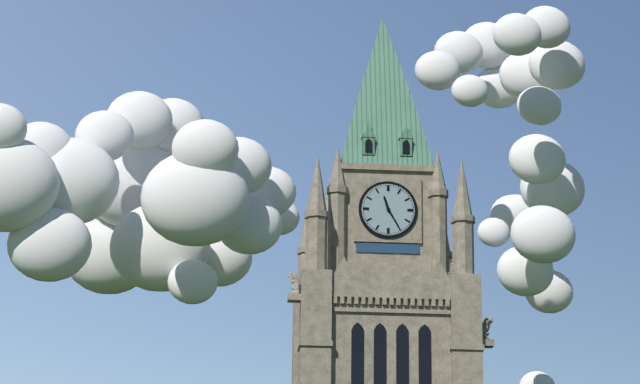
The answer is 11:25
